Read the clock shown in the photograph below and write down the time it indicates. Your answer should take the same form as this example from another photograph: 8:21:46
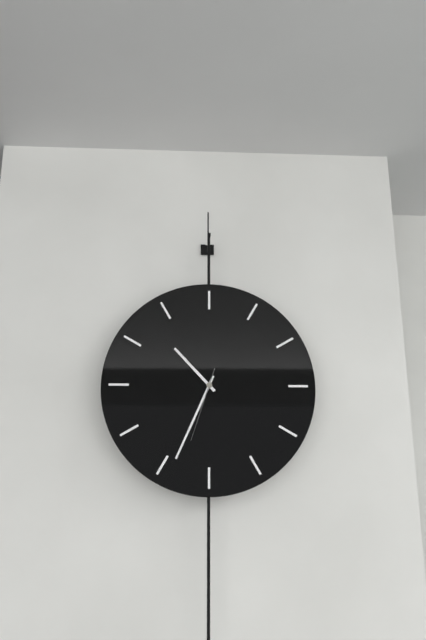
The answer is 10:34:33
